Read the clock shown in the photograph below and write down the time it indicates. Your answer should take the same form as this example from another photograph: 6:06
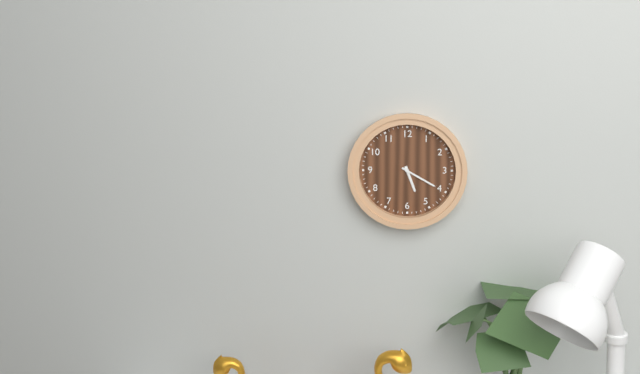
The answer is 5:20
